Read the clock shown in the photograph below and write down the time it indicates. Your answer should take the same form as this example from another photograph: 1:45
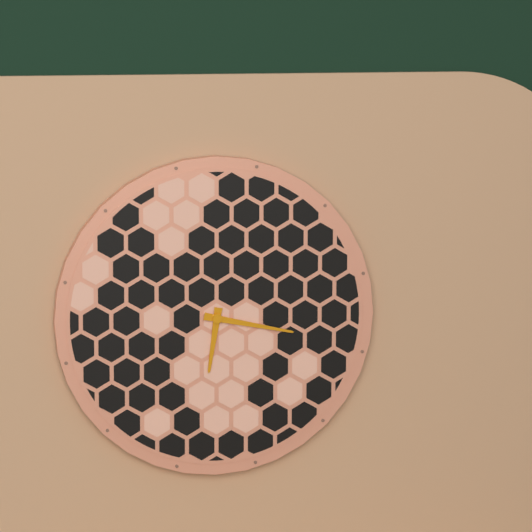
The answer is 6:17
